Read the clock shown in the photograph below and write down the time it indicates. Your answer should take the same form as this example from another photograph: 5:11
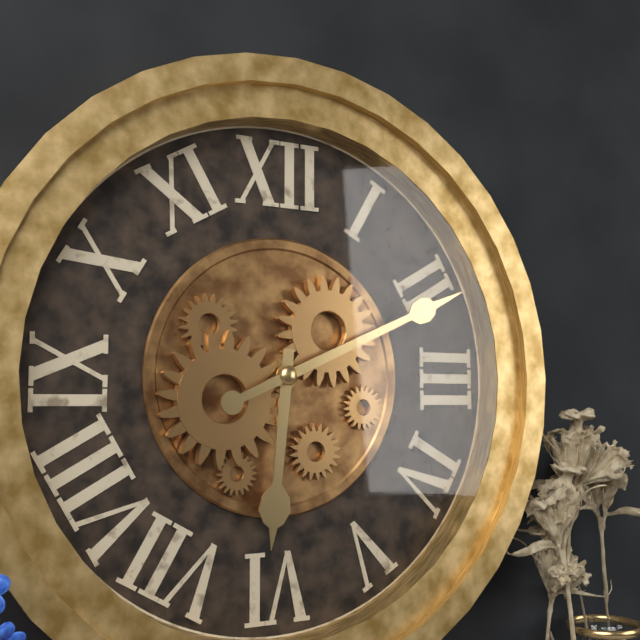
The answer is 6:11
